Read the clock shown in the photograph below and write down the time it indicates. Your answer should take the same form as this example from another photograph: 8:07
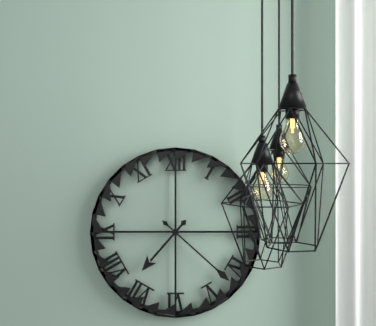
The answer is 7:22
